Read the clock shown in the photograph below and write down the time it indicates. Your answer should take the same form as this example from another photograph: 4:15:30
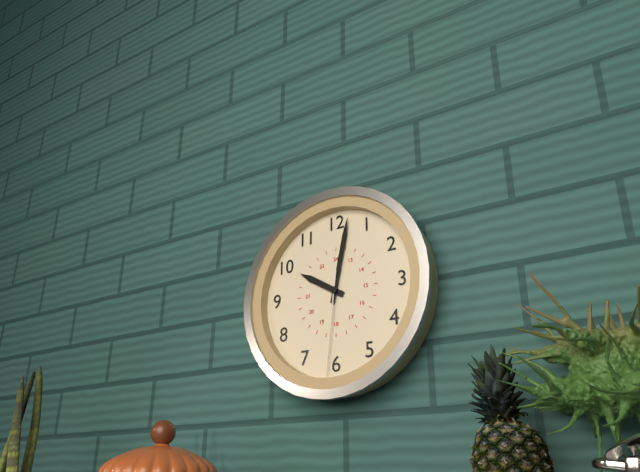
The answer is 10:02:31
